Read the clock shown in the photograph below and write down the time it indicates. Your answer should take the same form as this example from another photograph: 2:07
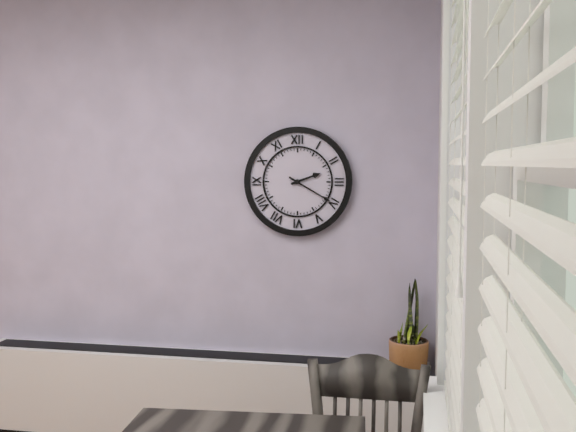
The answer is 2:20
